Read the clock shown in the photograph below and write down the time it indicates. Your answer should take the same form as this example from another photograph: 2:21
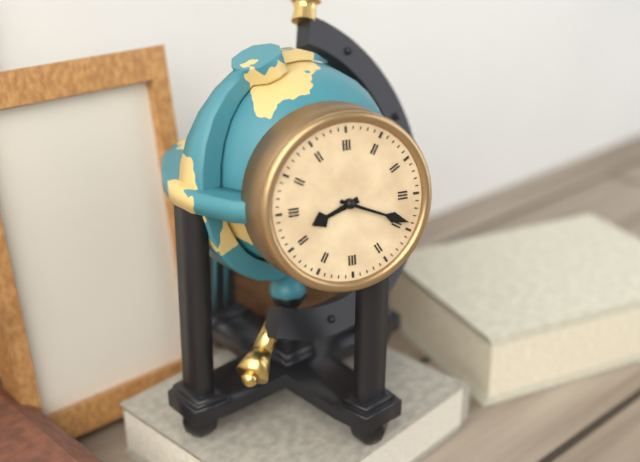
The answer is 8:19
